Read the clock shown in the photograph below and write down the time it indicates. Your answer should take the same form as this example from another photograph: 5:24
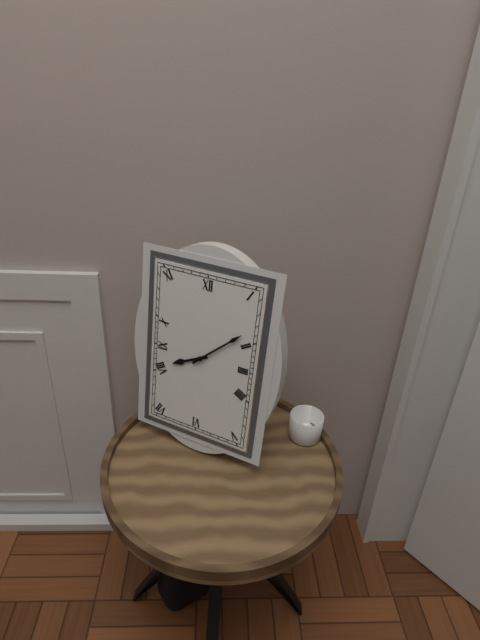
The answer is 8:08
